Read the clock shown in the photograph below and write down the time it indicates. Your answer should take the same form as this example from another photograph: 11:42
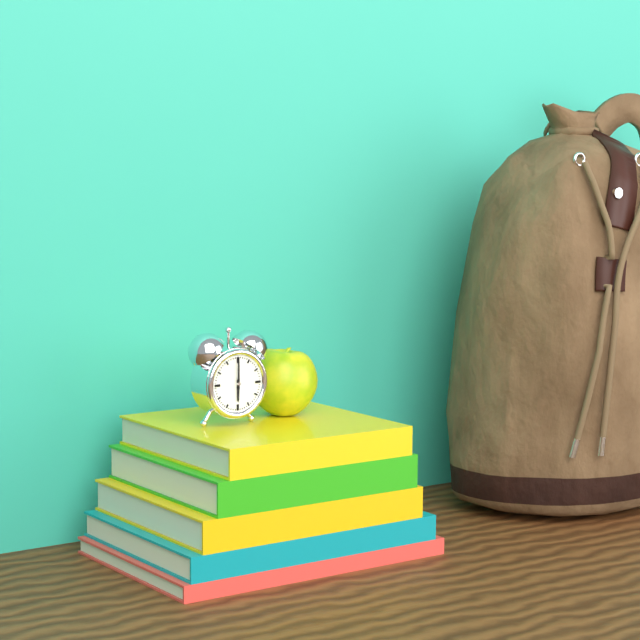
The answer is 6:00
